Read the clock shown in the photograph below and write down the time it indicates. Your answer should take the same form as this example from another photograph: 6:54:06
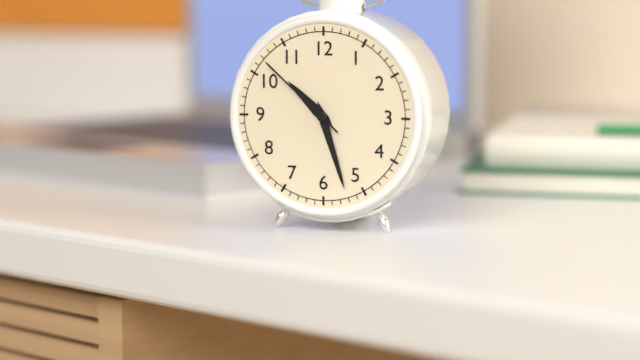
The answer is 10:27:52
